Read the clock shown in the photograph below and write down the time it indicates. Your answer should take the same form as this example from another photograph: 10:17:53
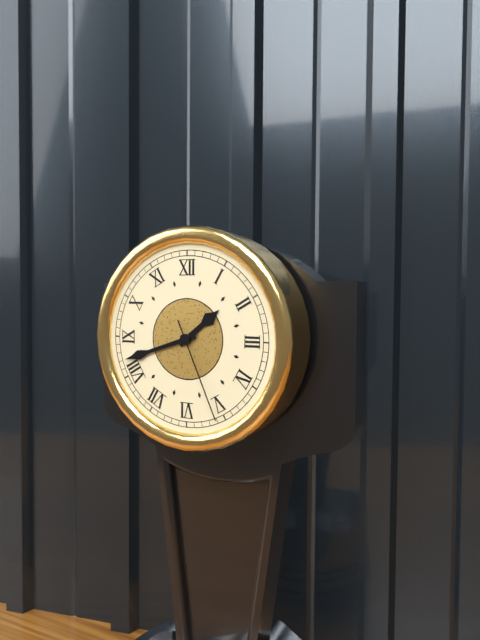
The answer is 1:42:26
